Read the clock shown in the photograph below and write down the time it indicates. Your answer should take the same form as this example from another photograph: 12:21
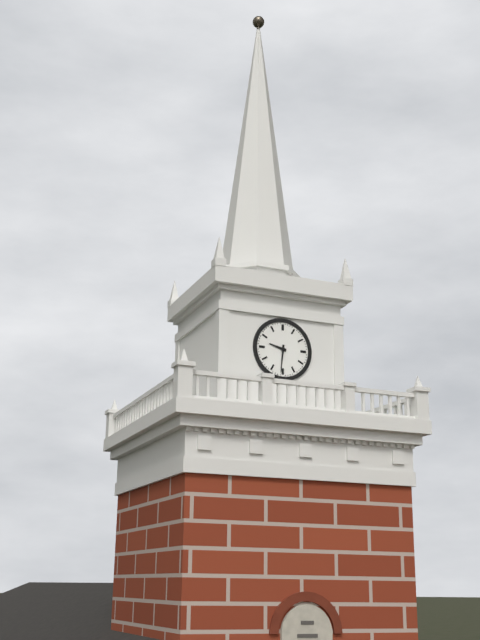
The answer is 9:31
